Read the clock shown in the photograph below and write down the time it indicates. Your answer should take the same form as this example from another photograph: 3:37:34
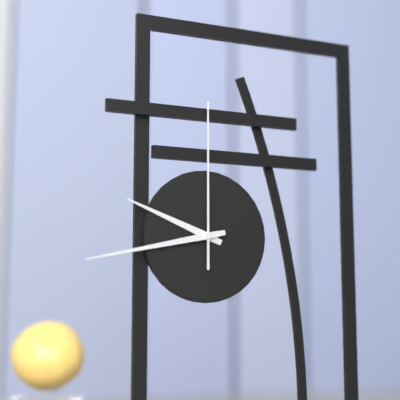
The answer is 9:43:00
